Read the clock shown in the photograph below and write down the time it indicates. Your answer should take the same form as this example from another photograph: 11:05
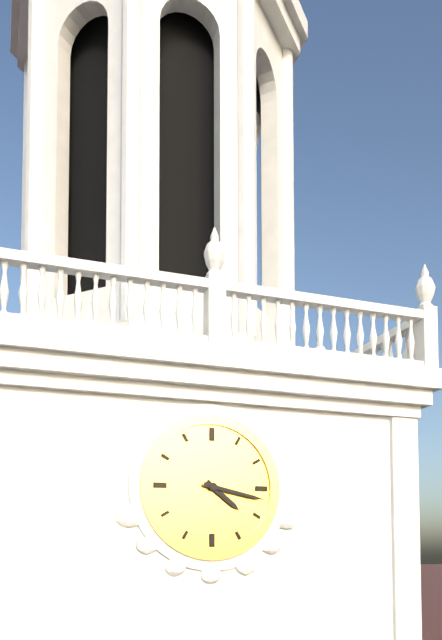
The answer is 4:17
